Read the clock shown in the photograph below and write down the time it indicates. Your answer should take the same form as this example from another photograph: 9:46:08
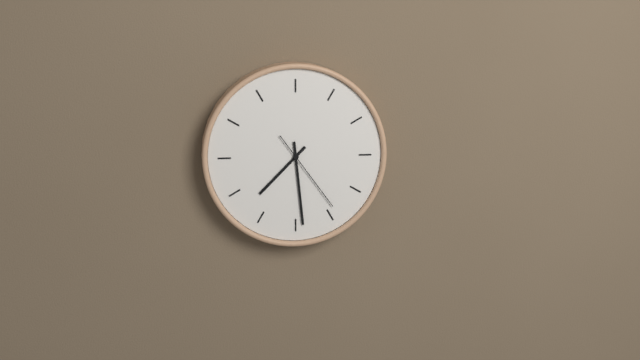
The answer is 7:29:24
